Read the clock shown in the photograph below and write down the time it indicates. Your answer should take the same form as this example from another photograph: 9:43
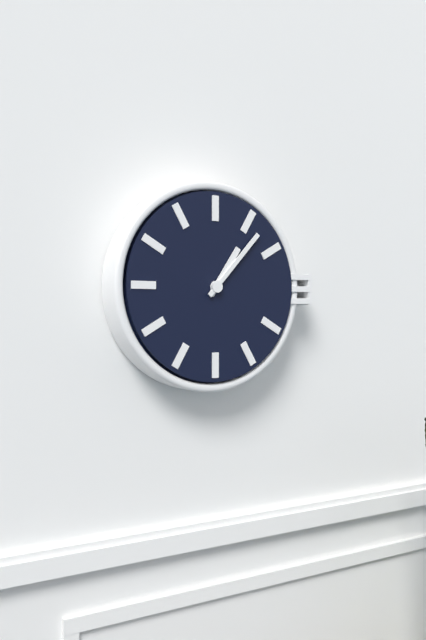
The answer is 1:07
